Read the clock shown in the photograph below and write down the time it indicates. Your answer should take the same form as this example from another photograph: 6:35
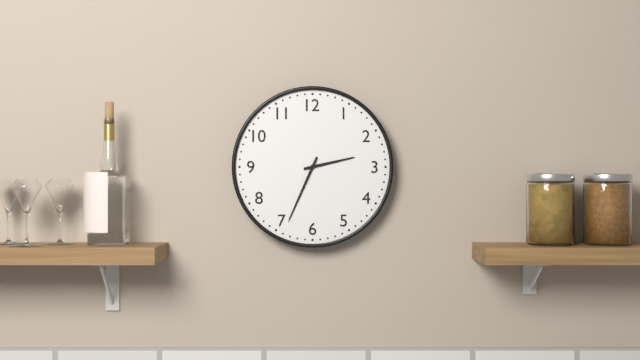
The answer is 2:34
